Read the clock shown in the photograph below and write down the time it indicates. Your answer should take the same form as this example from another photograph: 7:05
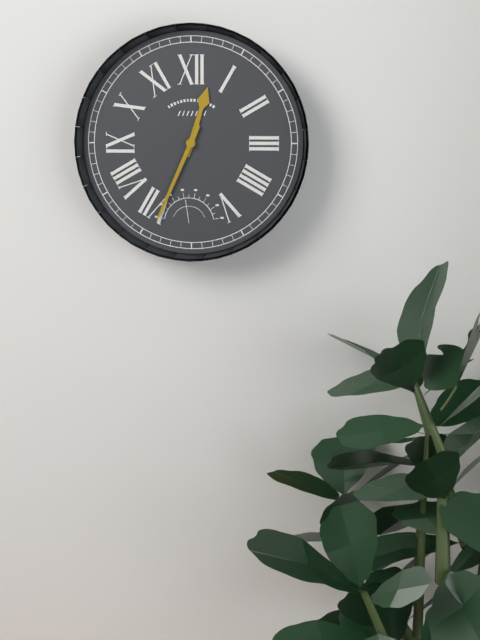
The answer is 12:34
